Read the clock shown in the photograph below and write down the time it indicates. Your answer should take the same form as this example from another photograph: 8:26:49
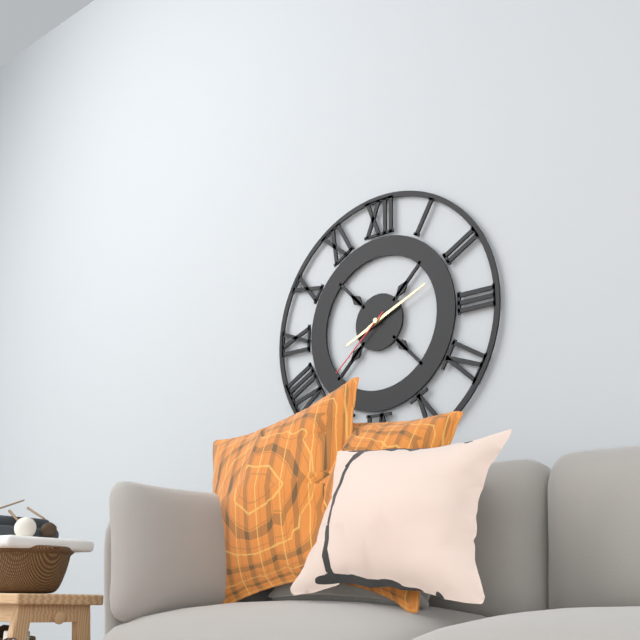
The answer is 8:11:38
